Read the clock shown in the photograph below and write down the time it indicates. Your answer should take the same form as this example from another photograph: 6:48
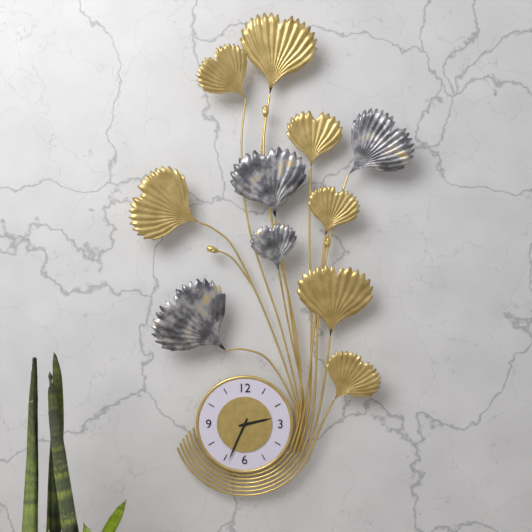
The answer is 2:34
